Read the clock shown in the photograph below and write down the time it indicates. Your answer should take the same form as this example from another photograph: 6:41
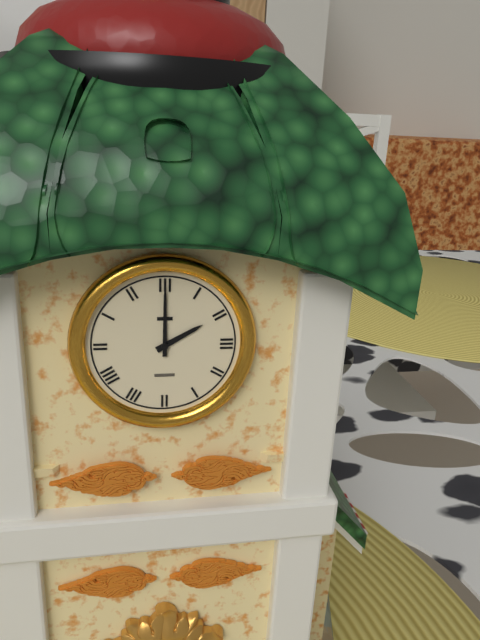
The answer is 2:00
